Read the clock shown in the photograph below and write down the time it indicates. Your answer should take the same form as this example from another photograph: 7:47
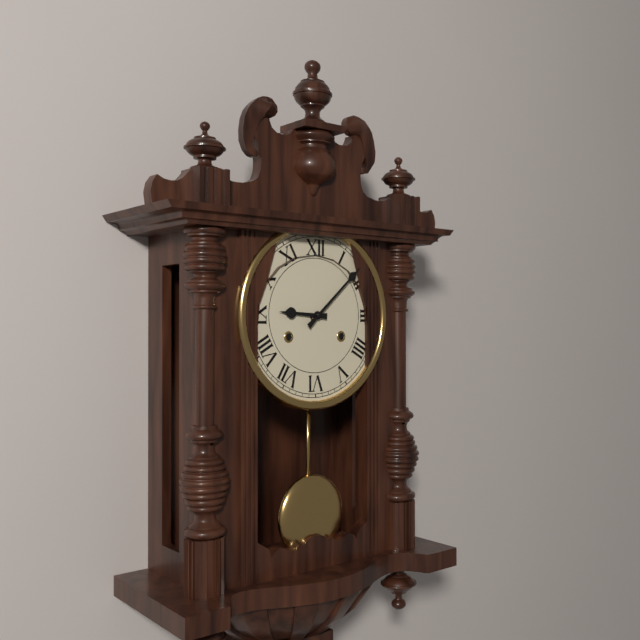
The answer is 9:08
